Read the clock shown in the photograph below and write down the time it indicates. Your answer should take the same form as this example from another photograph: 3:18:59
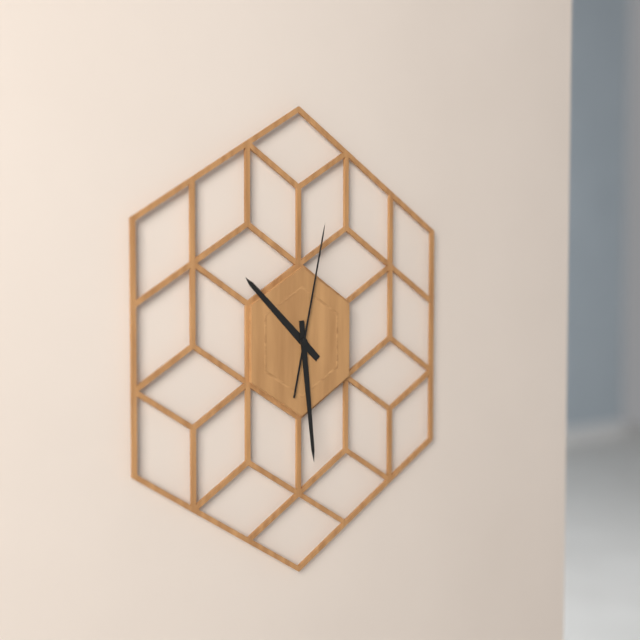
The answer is 10:29:02
